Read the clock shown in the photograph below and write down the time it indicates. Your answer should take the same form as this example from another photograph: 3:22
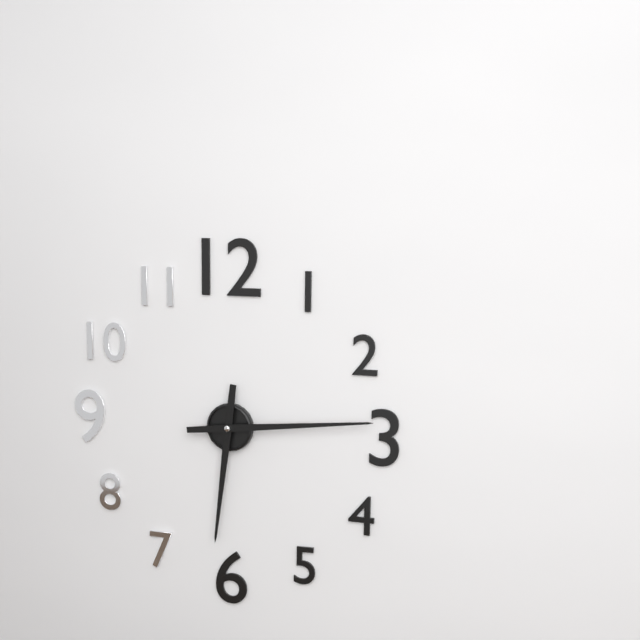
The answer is 6:14
